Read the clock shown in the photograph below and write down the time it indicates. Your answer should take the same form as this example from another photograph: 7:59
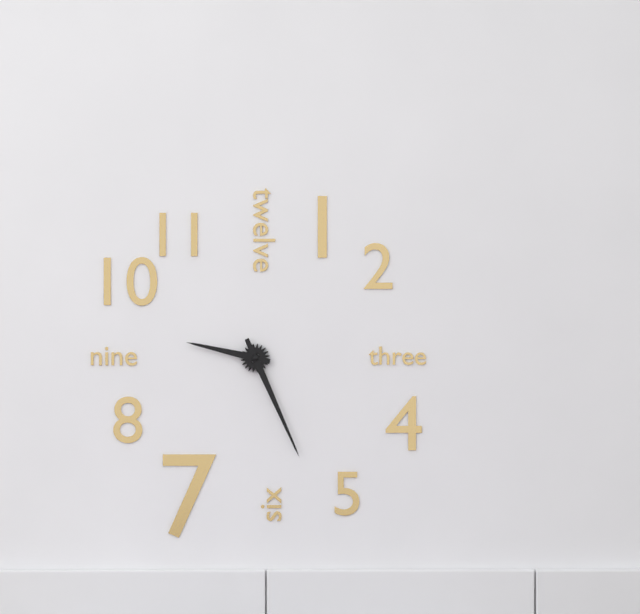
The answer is 9:26
